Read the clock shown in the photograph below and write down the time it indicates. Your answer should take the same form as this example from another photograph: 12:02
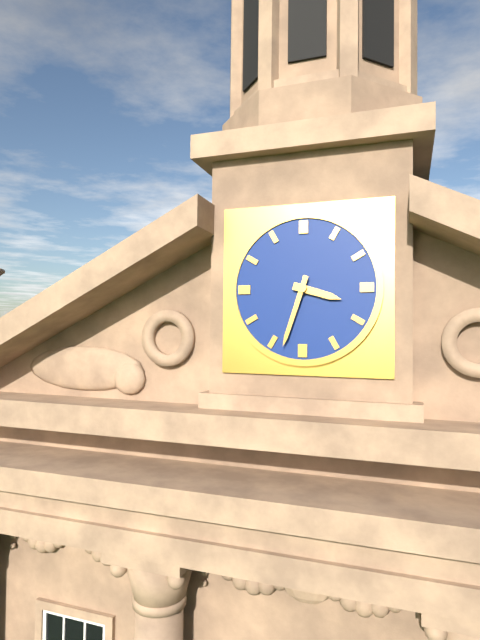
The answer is 3:33
